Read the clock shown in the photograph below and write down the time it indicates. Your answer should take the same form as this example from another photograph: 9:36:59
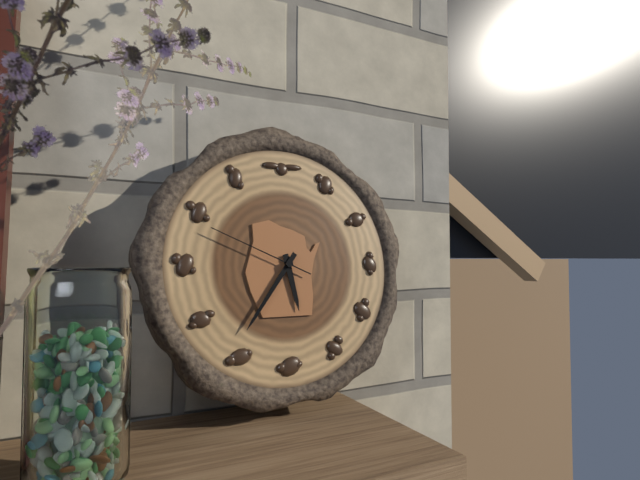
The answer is 5:36:49
